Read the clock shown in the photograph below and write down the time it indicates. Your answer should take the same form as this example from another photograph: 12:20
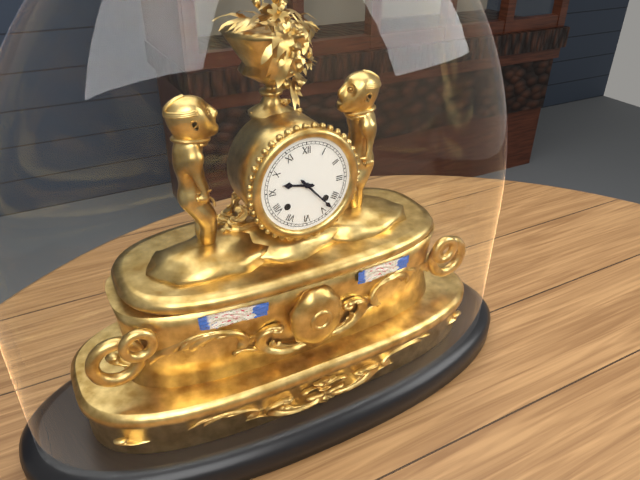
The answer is 9:23
